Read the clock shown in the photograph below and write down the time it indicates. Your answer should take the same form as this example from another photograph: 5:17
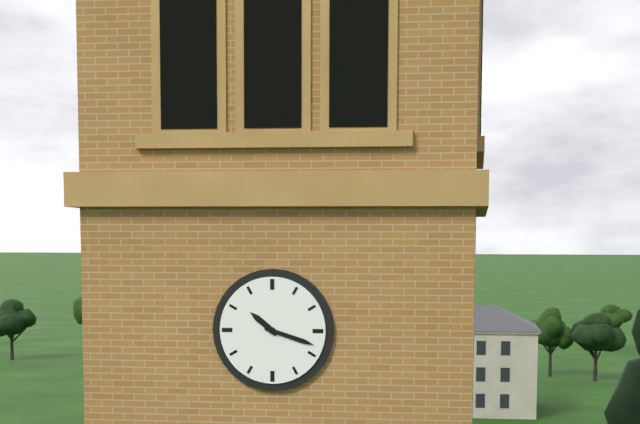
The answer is 10:18
